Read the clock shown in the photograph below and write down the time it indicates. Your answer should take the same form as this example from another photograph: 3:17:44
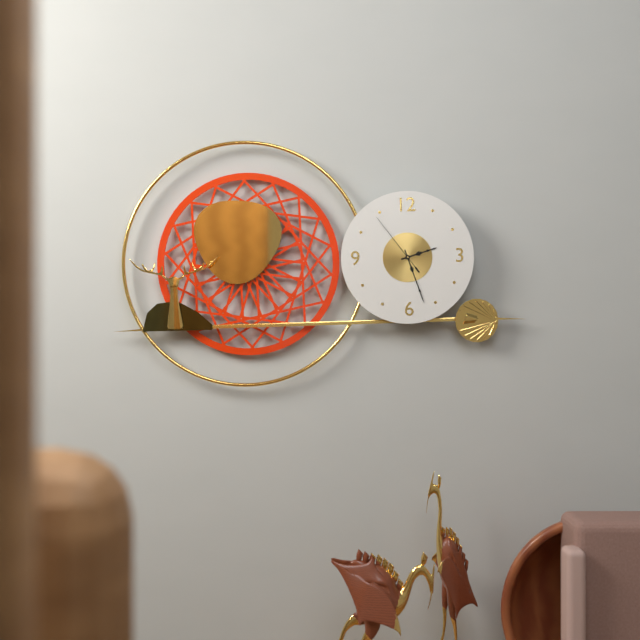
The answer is 2:27:54
